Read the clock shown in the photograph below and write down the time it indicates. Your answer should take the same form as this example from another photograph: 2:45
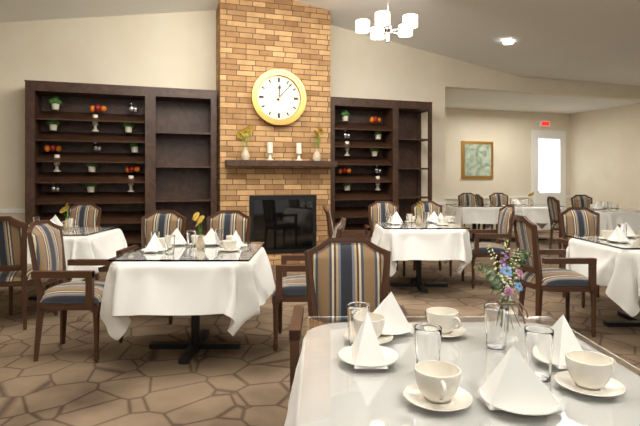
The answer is 12:07
